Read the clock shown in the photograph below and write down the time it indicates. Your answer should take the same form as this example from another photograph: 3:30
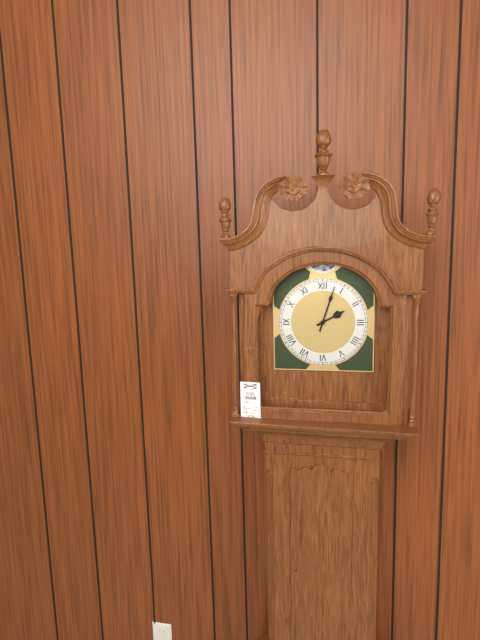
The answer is 2:03
